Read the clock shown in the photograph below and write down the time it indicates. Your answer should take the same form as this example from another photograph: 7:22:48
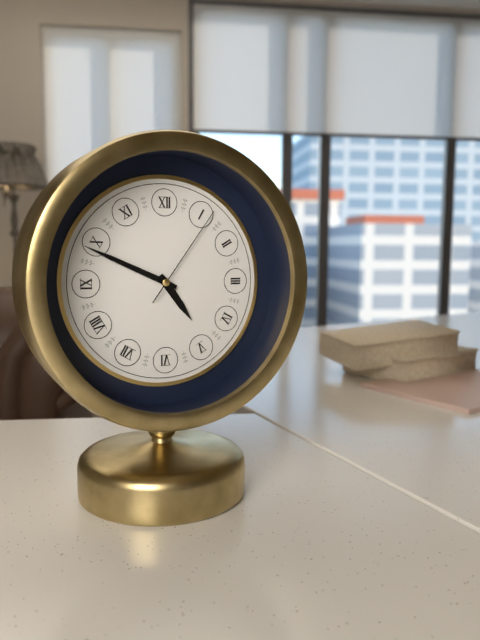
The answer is 4:49:06
